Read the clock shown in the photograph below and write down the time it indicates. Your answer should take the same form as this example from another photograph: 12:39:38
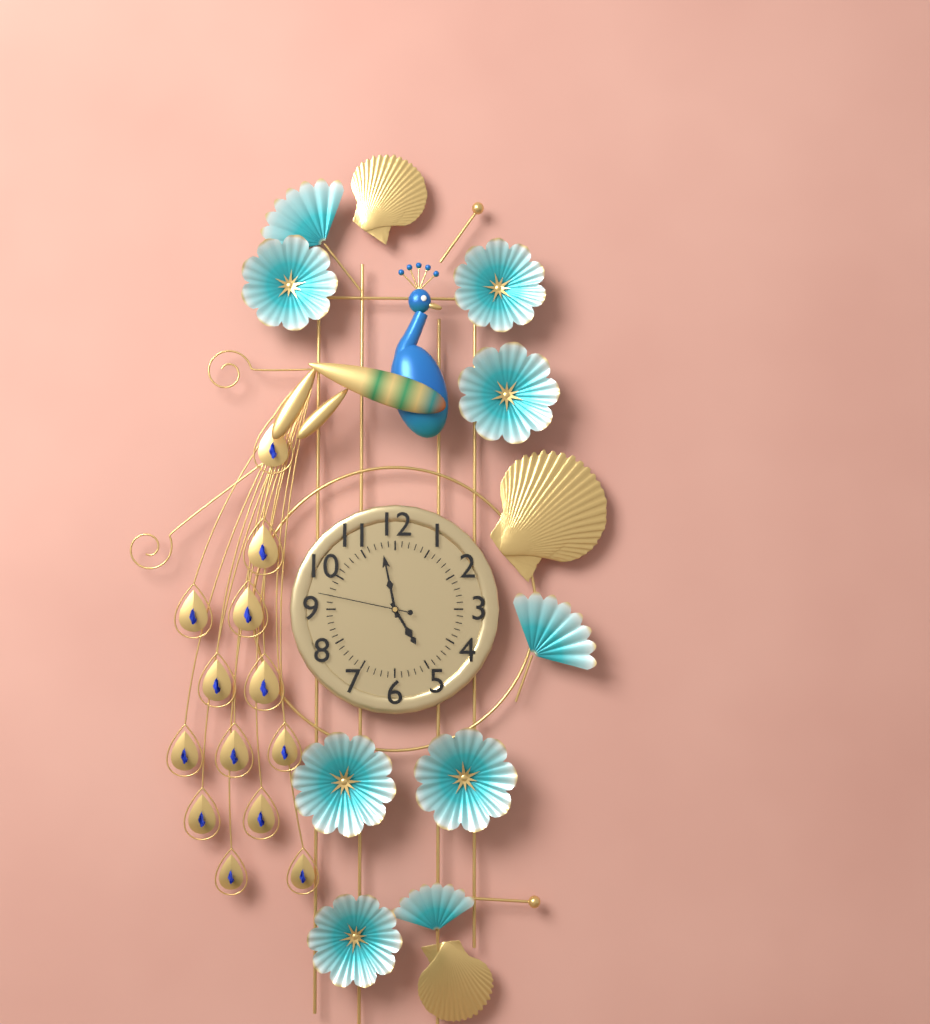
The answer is 4:58:47
